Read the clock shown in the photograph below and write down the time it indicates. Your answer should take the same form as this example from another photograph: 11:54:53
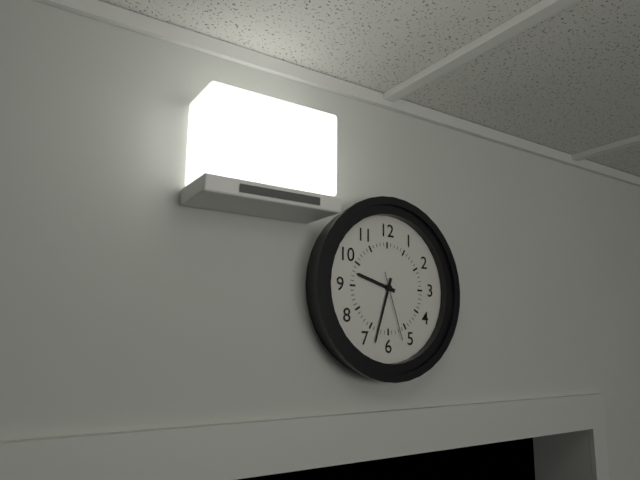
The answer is 9:33:27
